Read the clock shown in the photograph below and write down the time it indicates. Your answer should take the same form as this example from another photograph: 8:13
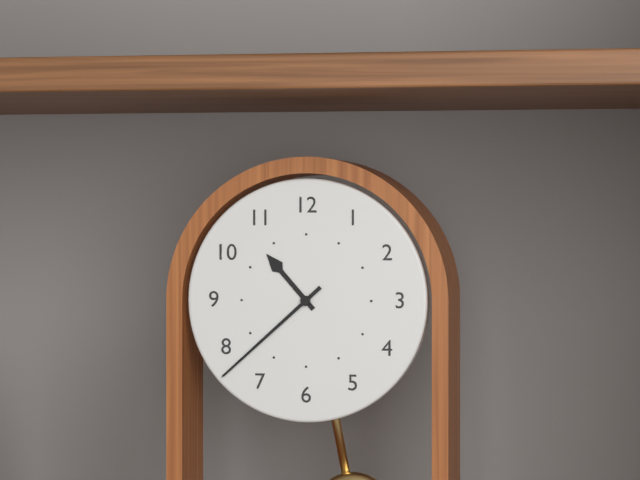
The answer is 10:38
